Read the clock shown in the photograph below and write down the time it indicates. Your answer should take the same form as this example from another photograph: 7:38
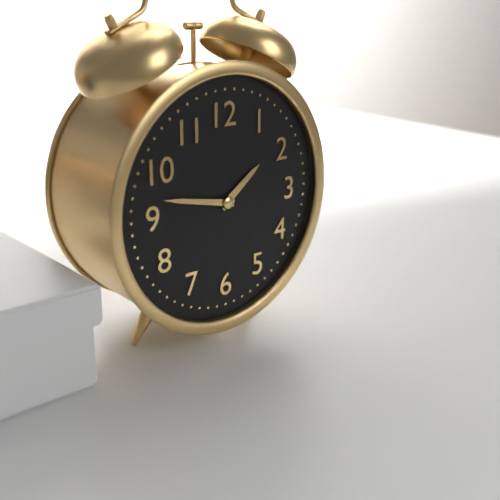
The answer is 1:47
